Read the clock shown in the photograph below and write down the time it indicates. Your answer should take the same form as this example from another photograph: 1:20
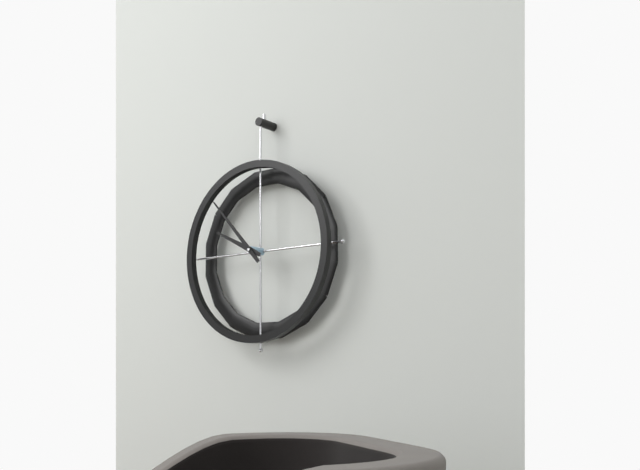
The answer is 9:53
